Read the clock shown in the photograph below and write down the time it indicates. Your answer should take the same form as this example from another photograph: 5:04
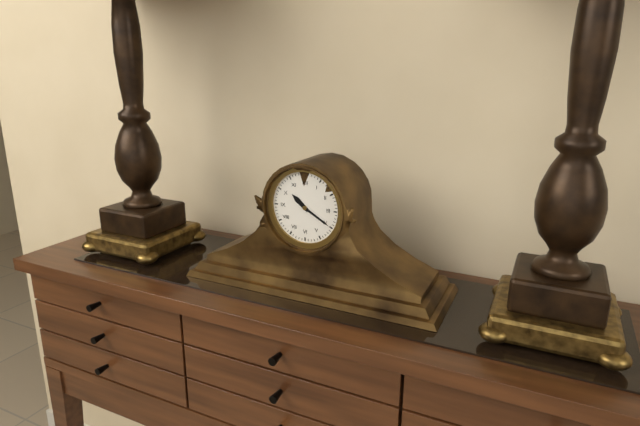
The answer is 10:20
